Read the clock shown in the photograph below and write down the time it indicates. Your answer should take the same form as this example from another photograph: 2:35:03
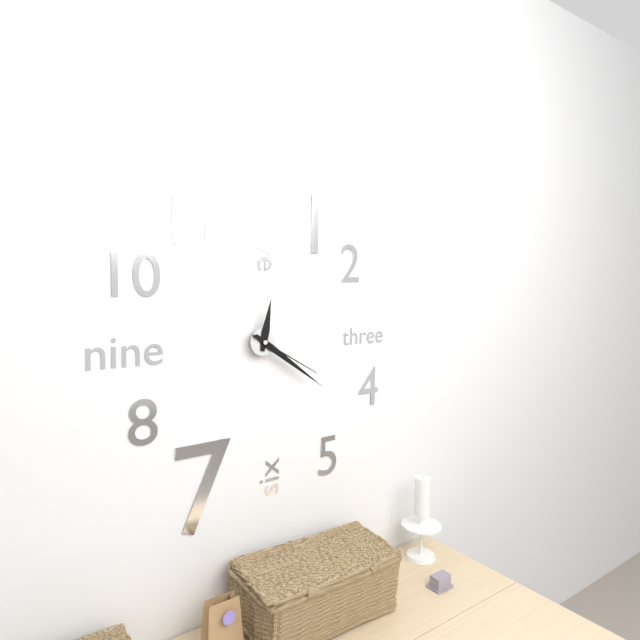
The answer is 12:21:20
